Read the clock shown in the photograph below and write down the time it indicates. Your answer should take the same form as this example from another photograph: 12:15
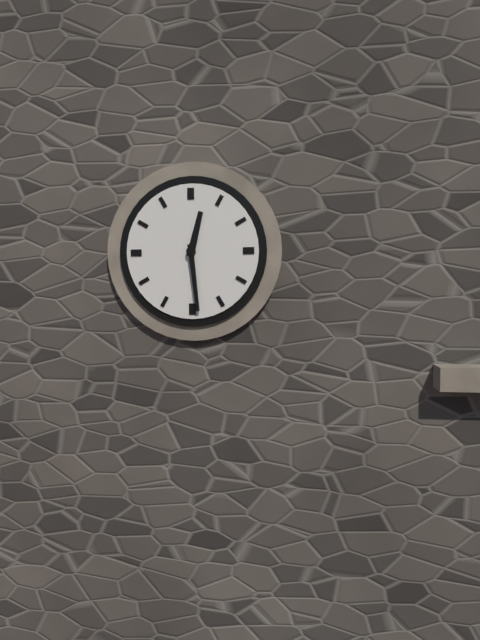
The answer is 12:29
